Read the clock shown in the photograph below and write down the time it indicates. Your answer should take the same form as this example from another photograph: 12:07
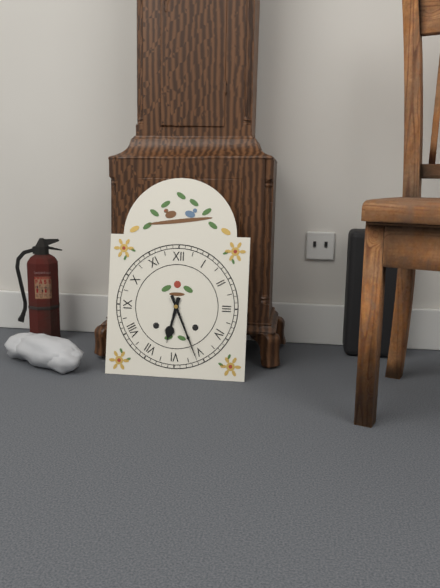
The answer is 6:26
